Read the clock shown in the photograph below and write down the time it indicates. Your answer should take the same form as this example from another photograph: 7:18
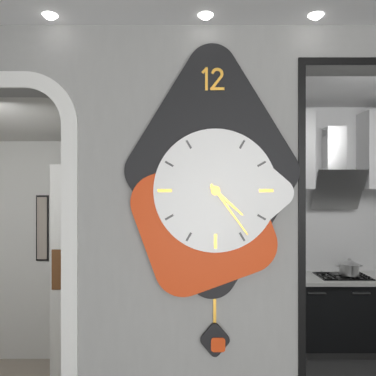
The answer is 4:24
